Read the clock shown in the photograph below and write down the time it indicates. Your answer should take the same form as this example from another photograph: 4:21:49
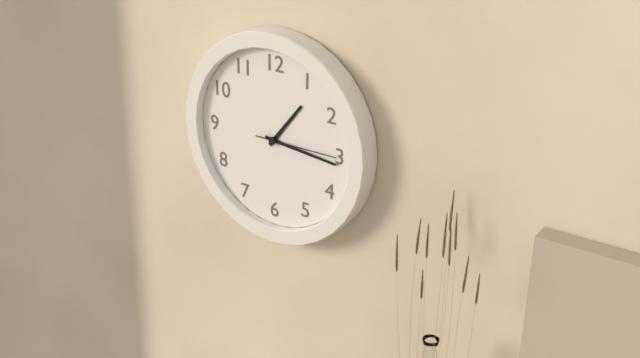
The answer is 1:16:15
